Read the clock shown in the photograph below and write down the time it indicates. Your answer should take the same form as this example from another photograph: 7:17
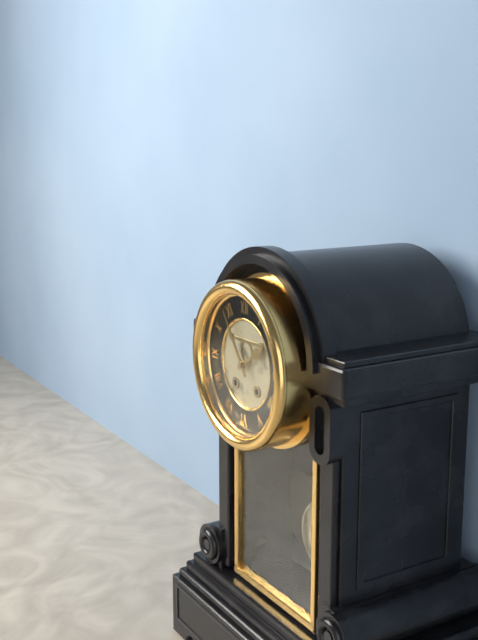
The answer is 1:54
